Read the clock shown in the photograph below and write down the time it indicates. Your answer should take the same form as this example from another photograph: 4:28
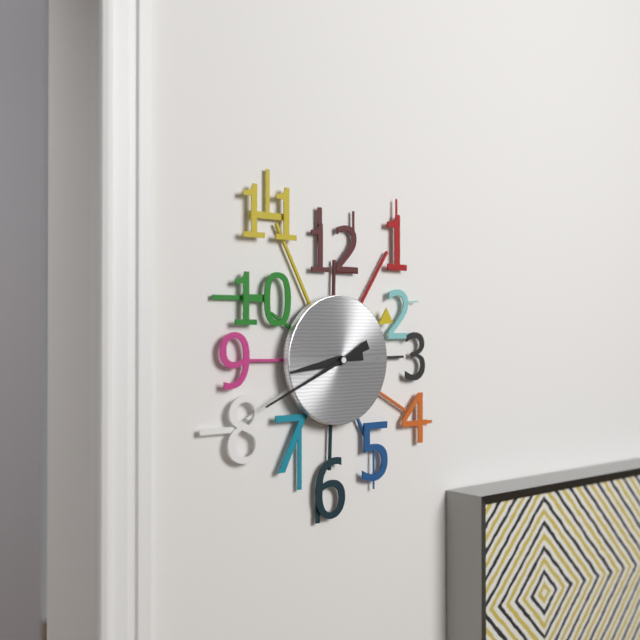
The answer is 8:41
